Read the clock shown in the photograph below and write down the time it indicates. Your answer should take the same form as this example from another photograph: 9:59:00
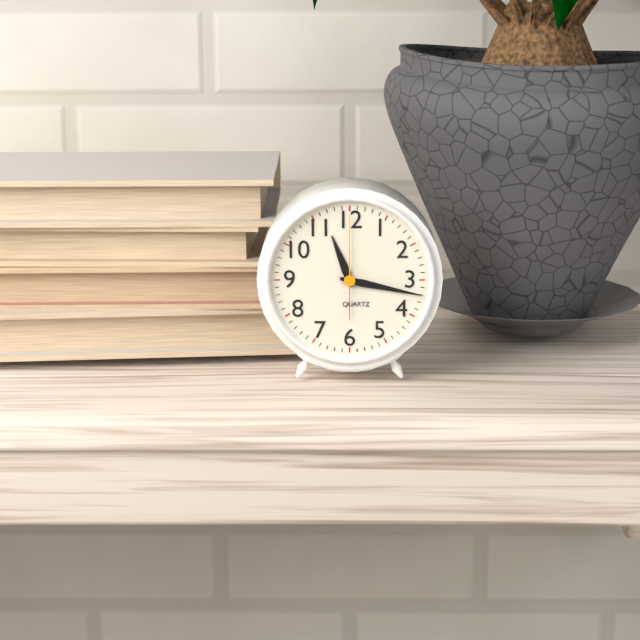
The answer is 11:17:00
